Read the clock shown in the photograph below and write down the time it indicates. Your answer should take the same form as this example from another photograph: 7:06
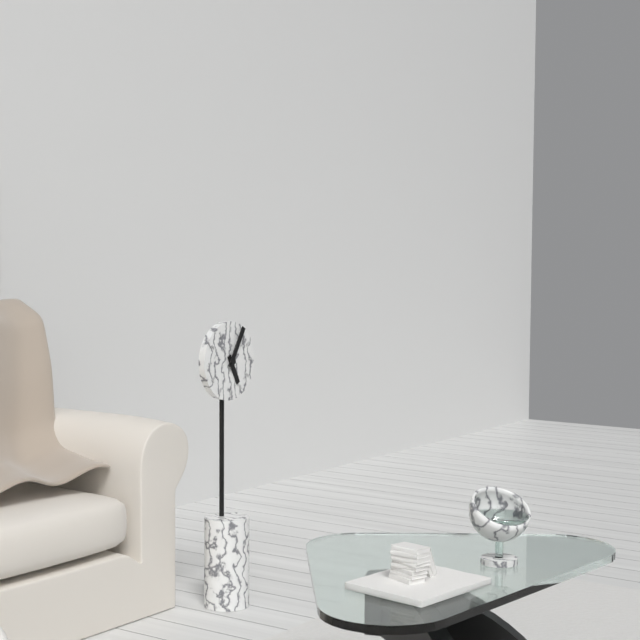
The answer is 5:05
